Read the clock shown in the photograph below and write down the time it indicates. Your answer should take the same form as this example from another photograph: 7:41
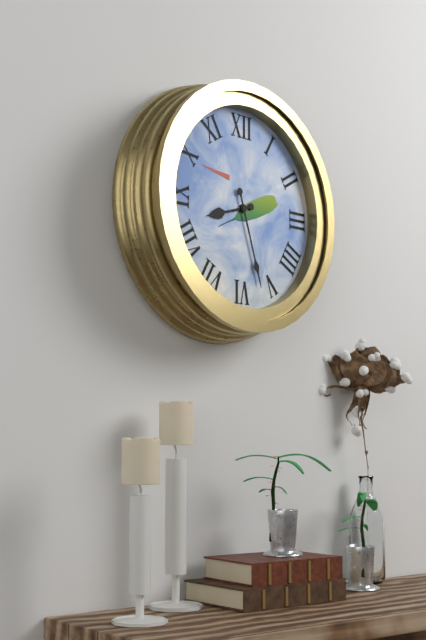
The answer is 8:27
